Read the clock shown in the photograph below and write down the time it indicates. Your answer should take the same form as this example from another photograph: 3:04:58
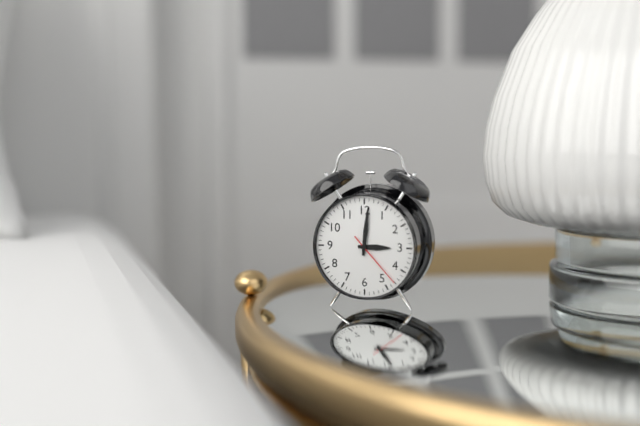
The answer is 3:01:23
